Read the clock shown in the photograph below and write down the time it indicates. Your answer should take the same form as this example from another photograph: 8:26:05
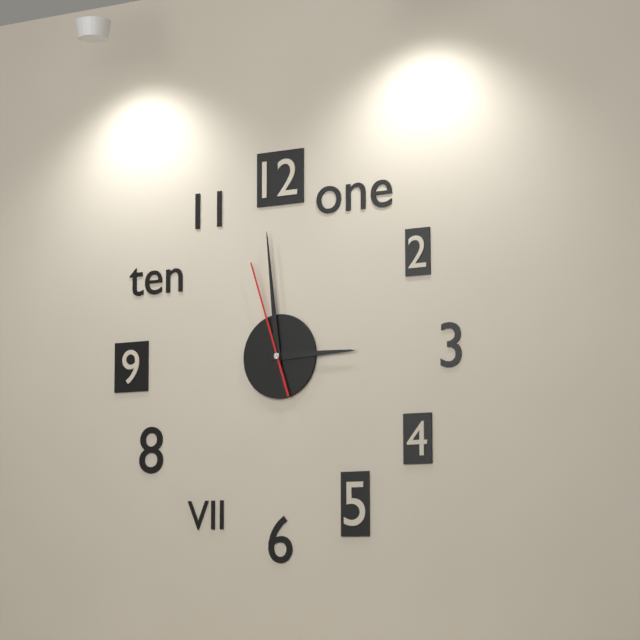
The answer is 2:59:57
